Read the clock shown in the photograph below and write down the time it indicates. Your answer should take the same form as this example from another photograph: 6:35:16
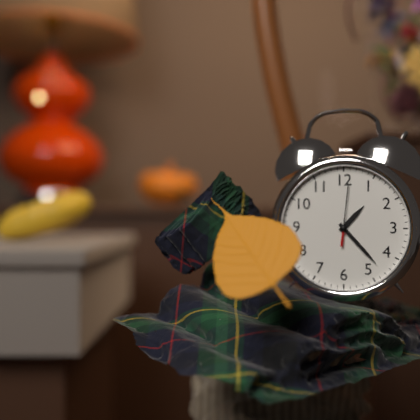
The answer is 1:23:01
